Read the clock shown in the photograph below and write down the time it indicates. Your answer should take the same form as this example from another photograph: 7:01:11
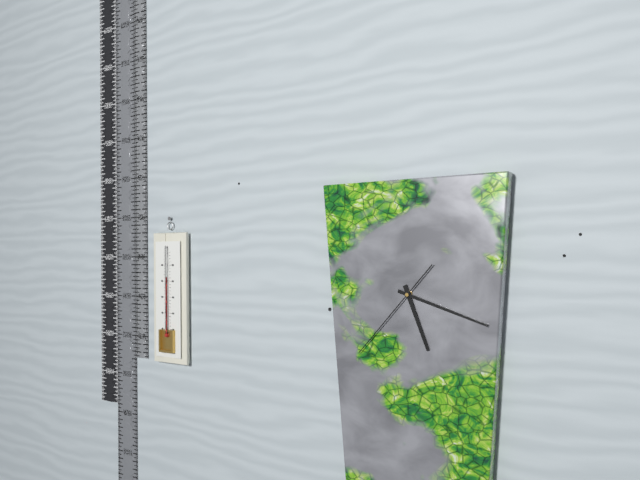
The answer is 5:18:37
